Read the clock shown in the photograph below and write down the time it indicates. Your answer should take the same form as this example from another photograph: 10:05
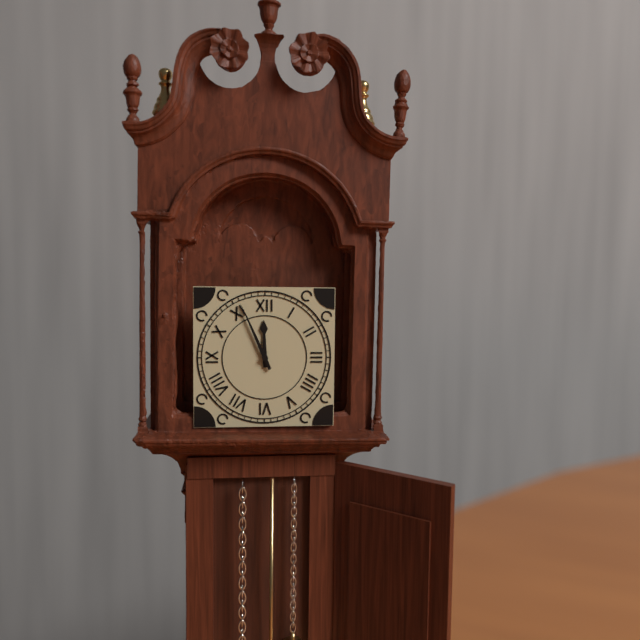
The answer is 11:56
